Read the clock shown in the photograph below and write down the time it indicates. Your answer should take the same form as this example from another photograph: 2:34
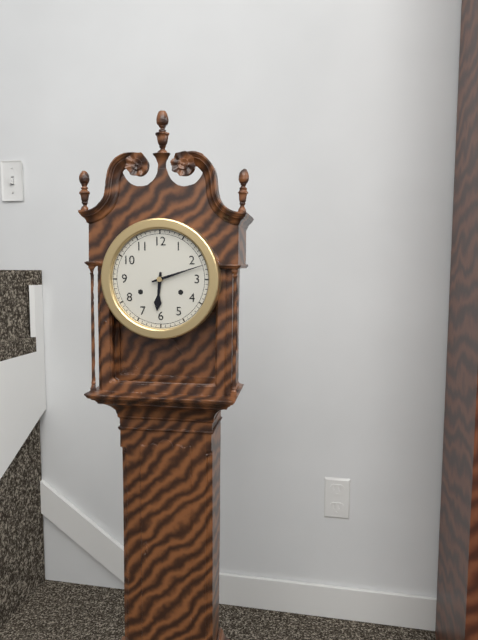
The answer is 6:12
